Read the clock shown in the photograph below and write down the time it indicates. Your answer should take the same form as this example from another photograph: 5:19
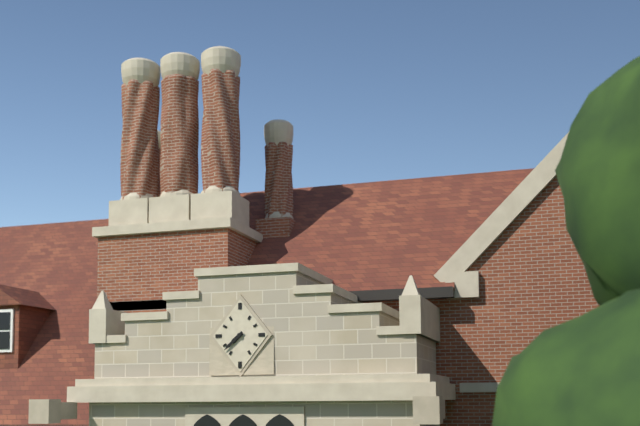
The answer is 7:38
